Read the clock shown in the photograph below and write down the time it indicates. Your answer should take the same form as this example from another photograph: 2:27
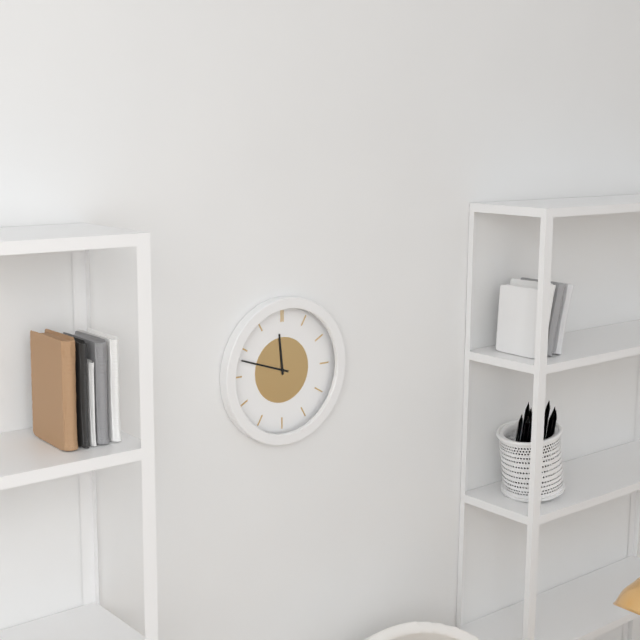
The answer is 11:48
